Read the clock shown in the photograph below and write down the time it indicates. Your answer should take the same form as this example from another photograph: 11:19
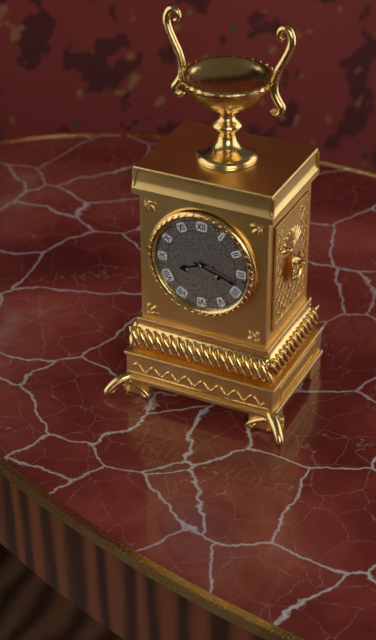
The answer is 8:18
